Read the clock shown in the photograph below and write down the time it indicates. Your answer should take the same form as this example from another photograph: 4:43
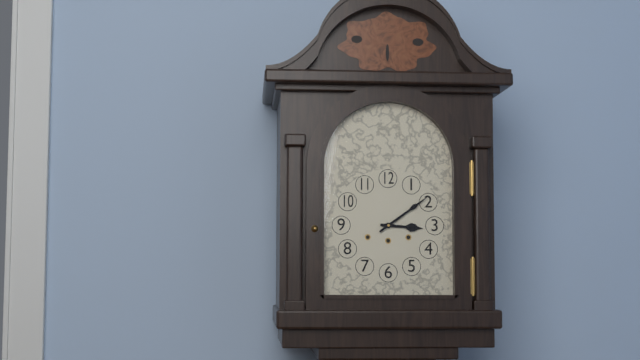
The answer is 3:09
